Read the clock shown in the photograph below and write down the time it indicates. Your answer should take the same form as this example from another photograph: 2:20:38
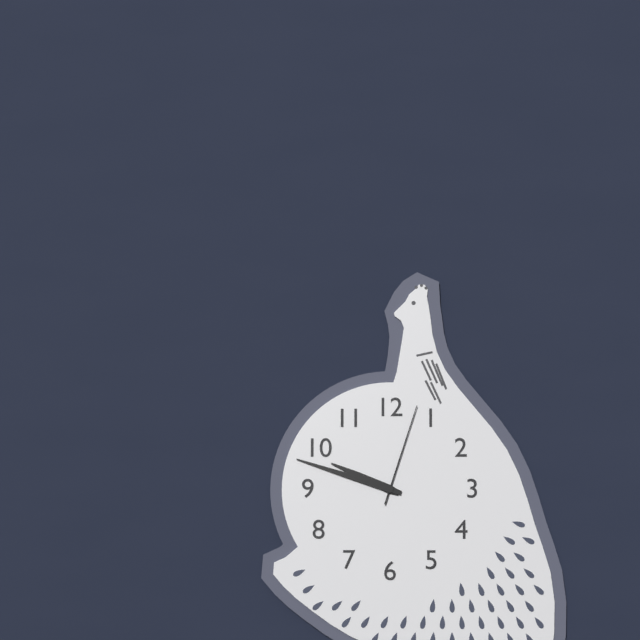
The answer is 9:48:03
